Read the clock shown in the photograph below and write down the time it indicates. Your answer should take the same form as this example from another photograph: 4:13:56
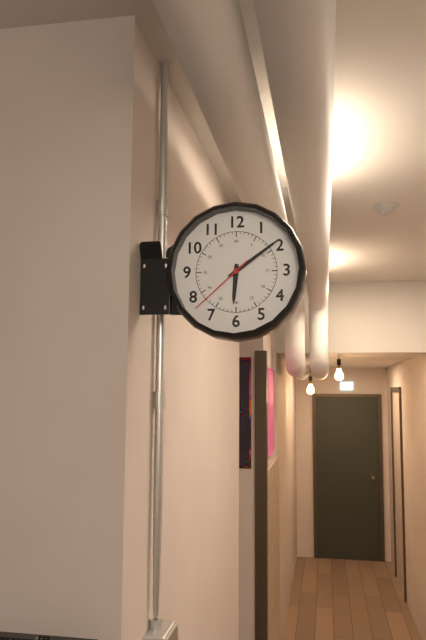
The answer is 6:09:38
